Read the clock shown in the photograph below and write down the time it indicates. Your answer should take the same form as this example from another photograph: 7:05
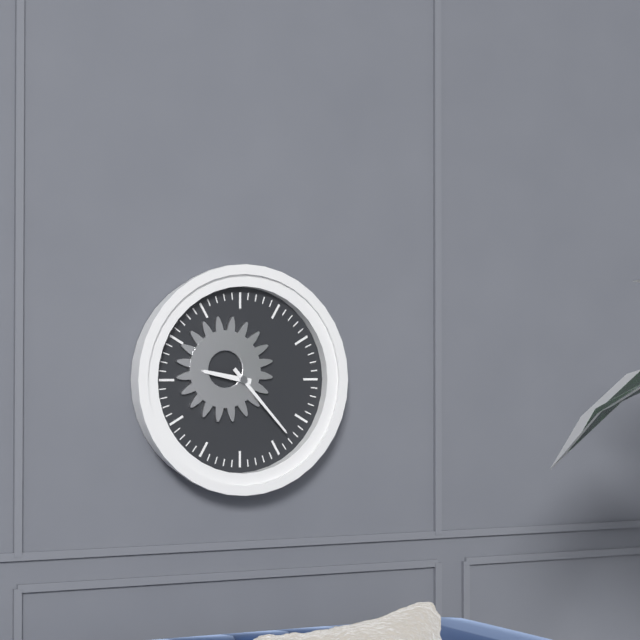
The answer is 9:23
